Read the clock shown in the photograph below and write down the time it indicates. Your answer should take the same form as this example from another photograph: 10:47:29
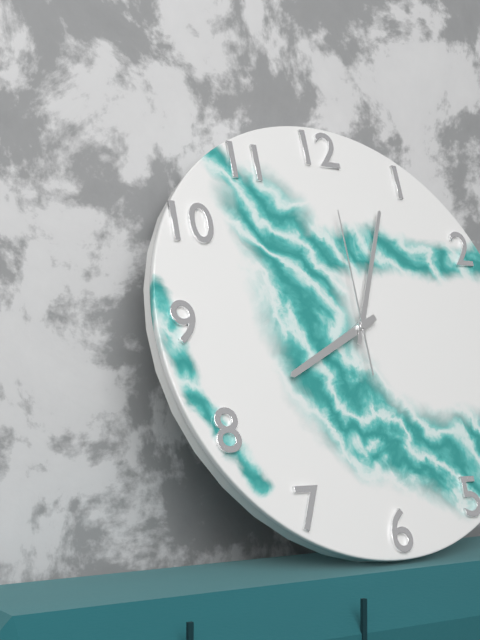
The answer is 8:04:00
